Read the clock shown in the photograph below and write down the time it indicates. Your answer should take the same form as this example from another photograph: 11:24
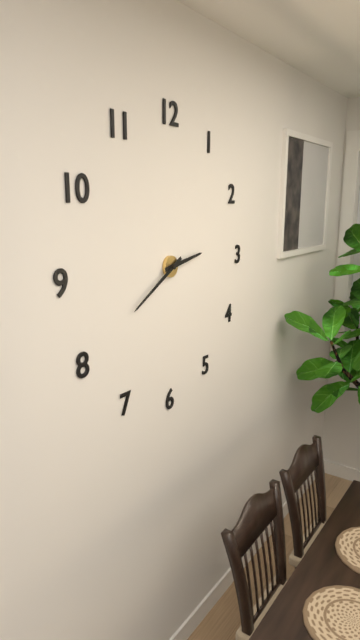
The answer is 2:40
